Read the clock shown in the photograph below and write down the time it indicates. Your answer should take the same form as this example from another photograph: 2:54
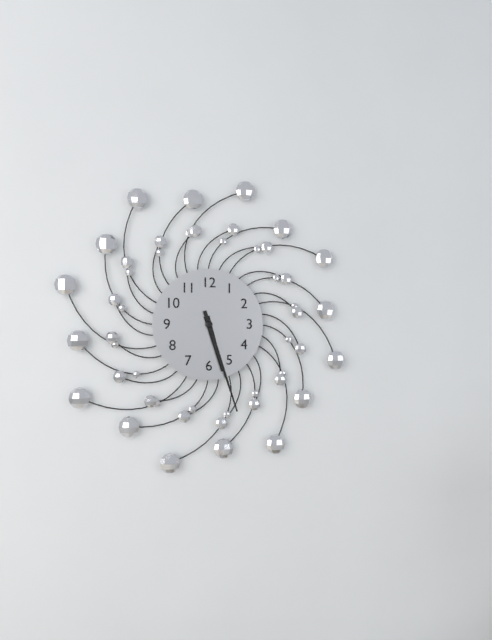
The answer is 5:27
